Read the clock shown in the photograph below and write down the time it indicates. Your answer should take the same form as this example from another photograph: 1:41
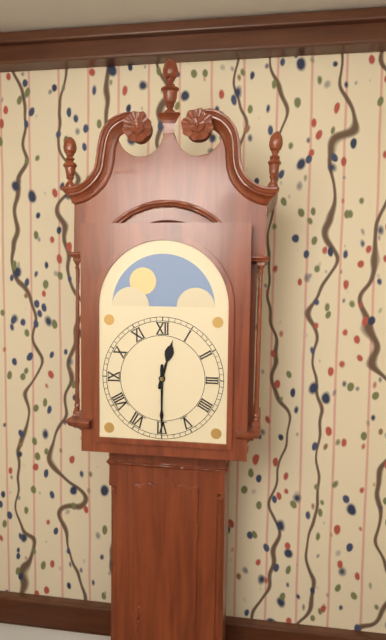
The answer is 12:30
